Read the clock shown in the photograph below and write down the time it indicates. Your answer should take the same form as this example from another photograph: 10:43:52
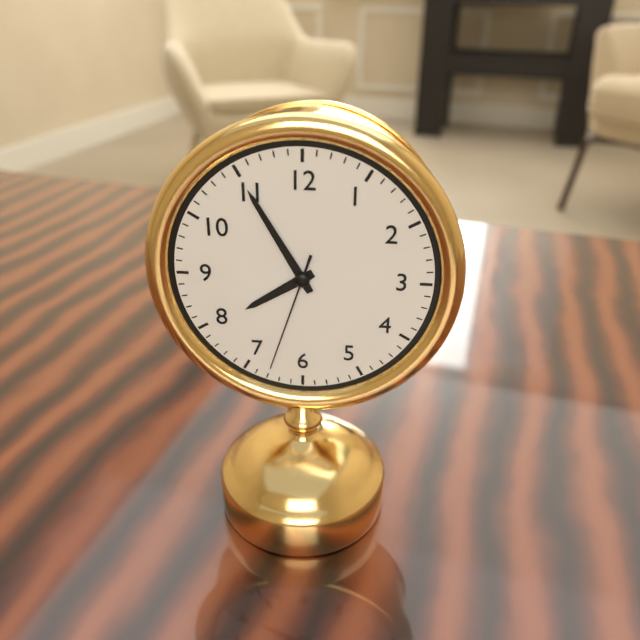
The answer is 7:55:33
